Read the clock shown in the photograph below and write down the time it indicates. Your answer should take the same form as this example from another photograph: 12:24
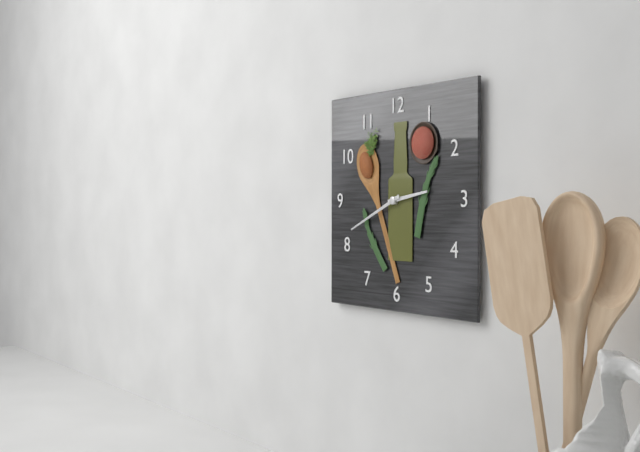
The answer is 2:41
